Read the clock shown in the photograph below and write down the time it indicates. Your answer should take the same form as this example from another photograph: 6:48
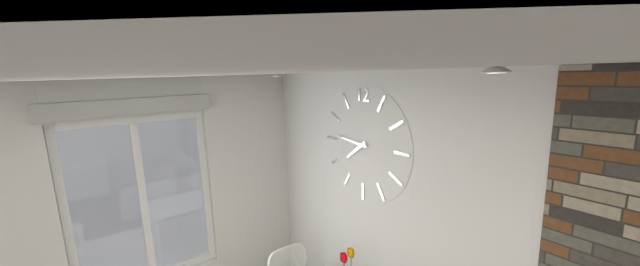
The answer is 7:46
